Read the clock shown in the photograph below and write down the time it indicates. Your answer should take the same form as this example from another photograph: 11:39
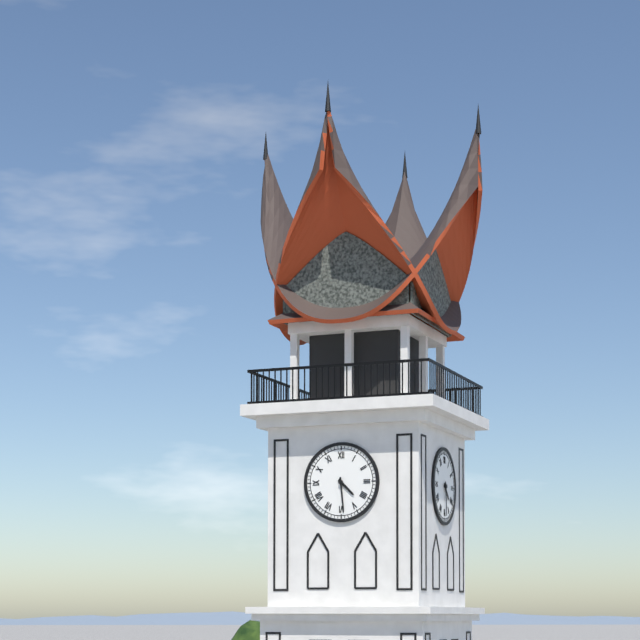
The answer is 4:29
